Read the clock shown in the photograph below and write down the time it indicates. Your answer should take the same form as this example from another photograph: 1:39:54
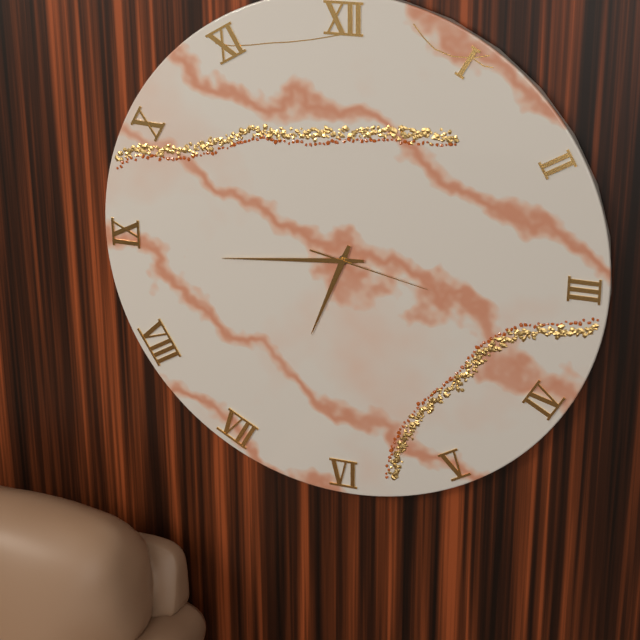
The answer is 6:44:17
